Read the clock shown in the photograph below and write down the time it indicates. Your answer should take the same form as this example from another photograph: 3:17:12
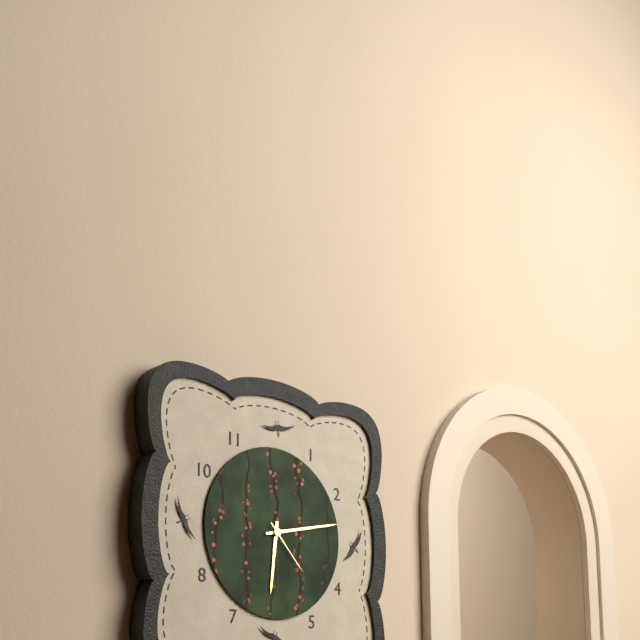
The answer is 6:13:23
